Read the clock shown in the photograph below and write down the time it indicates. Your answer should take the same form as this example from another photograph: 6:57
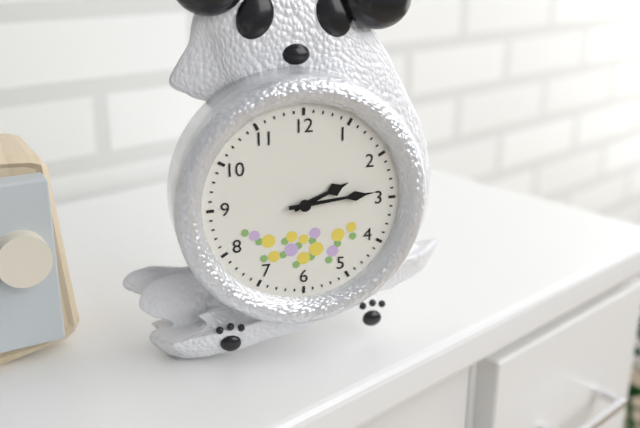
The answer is 2:14
